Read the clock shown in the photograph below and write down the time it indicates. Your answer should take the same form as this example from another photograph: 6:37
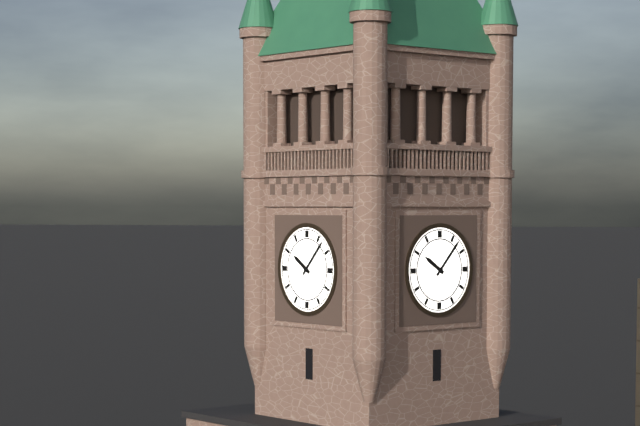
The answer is 10:07
